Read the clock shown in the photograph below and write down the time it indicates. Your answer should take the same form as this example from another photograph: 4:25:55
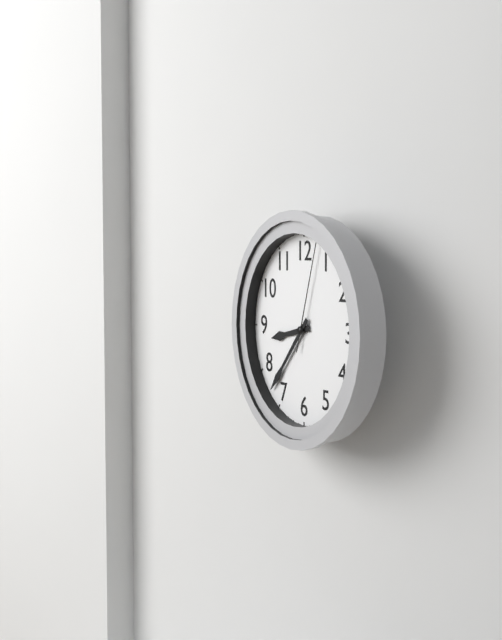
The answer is 8:37:03
